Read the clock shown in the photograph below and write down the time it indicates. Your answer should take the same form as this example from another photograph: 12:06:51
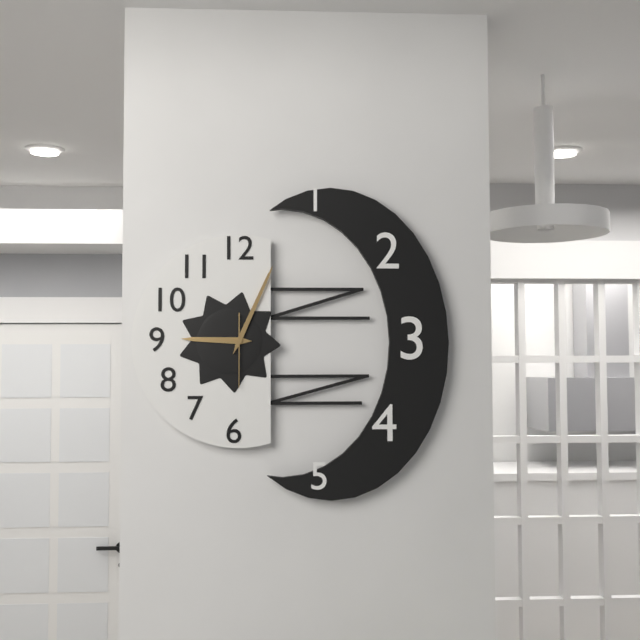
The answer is 9:04:30
